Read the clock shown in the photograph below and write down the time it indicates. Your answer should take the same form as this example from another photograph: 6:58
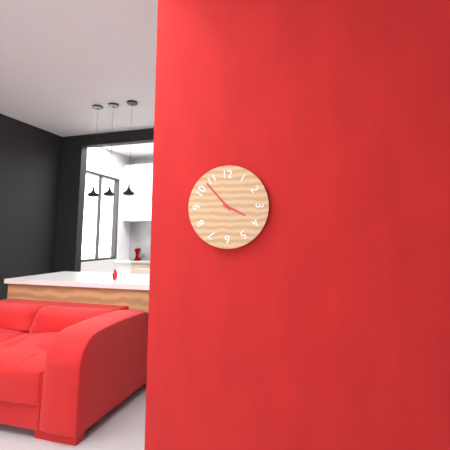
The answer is 3:53
